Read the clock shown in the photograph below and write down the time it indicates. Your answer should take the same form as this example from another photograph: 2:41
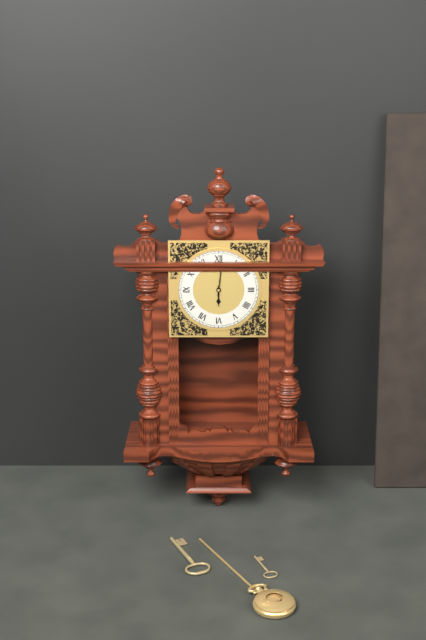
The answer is 6:01
